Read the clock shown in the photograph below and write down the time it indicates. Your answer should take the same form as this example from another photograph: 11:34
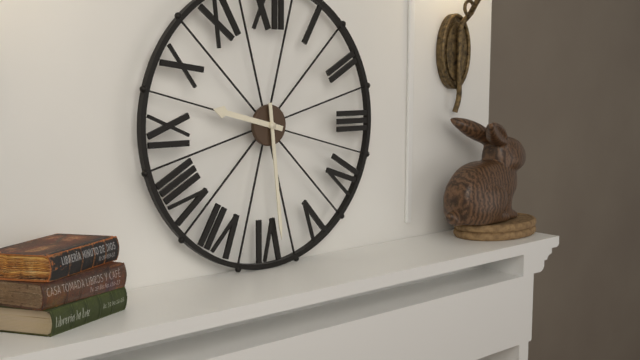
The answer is 9:29
